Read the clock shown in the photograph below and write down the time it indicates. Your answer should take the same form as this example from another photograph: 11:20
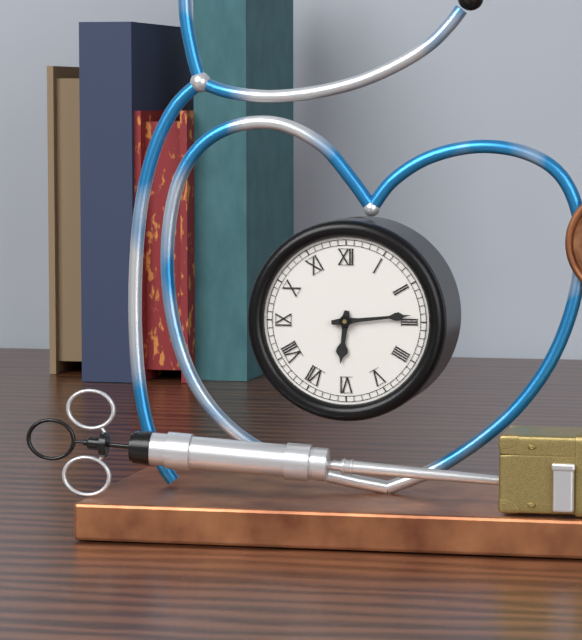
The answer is 6:14
